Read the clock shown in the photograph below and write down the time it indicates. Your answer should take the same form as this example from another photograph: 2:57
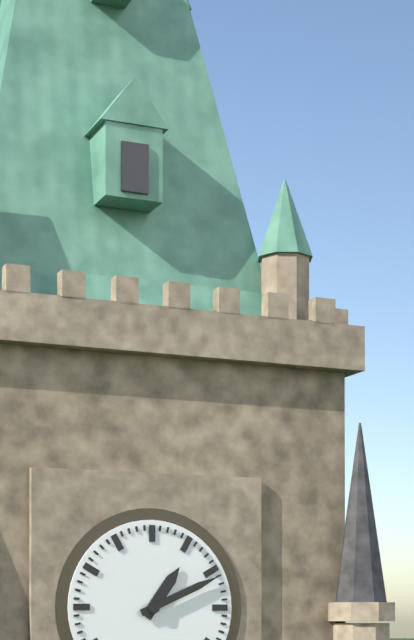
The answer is 1:11
